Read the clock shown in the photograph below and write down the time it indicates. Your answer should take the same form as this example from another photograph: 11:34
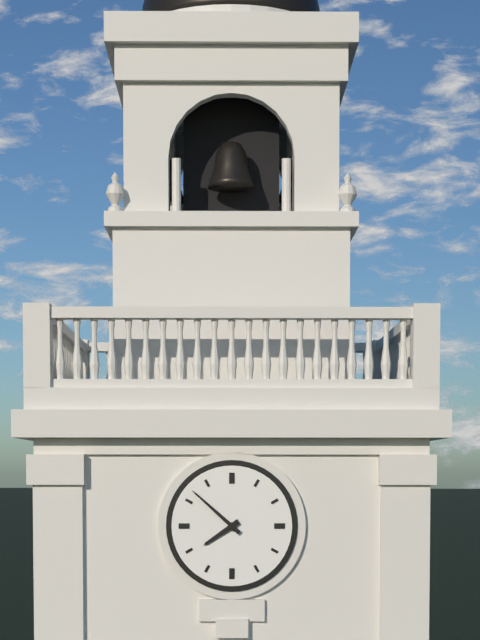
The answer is 7:52
